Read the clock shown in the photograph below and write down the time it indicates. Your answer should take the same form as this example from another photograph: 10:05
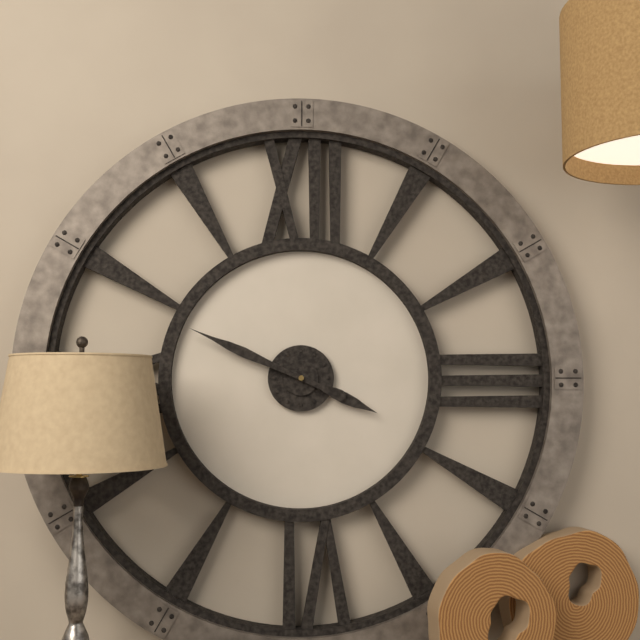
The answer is 3:49
